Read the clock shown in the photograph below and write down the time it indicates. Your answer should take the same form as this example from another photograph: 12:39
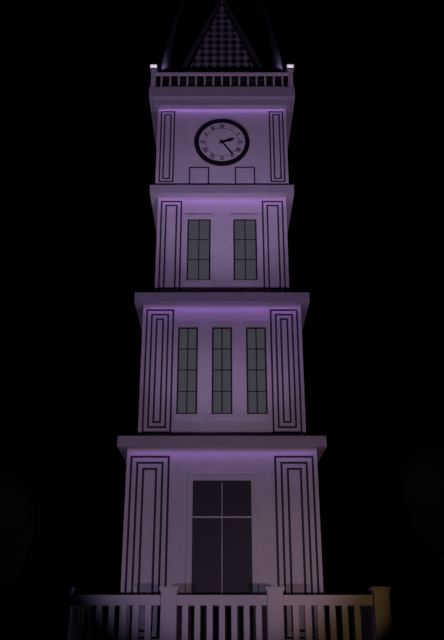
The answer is 2:24
